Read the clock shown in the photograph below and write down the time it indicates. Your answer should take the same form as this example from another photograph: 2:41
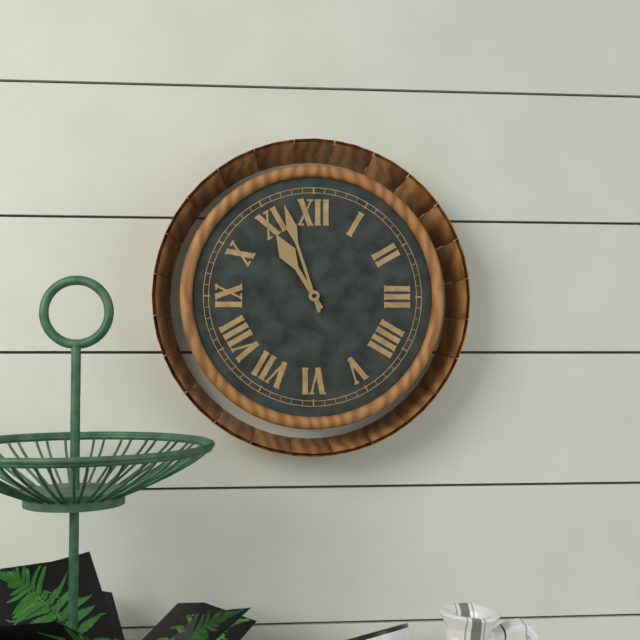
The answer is 10:57
